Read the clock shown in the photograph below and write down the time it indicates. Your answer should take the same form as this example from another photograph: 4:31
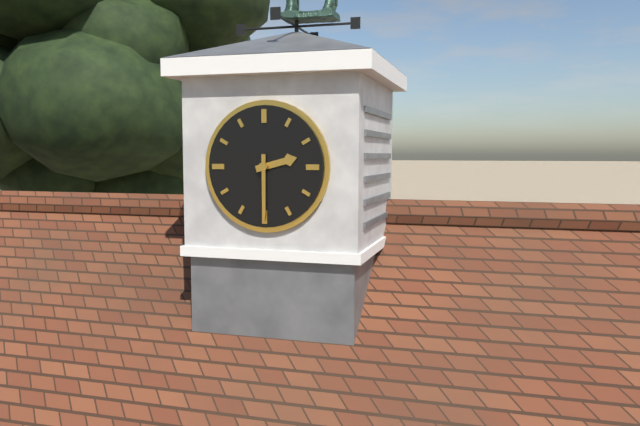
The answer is 2:30
